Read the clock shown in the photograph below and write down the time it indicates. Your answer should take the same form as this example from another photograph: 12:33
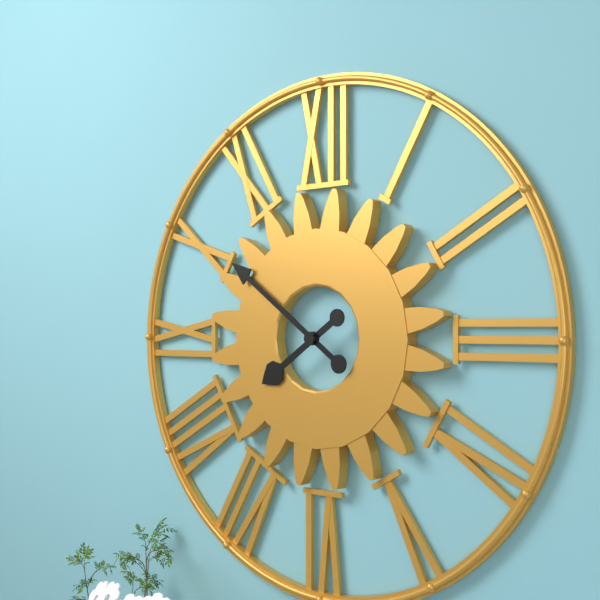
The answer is 7:51
